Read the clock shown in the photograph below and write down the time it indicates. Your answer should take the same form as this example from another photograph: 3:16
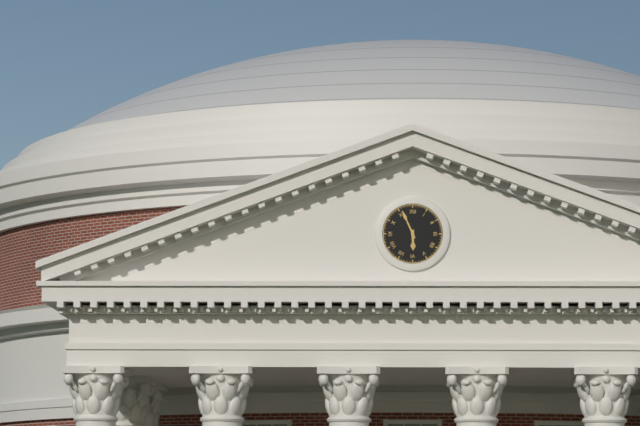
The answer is 5:56
